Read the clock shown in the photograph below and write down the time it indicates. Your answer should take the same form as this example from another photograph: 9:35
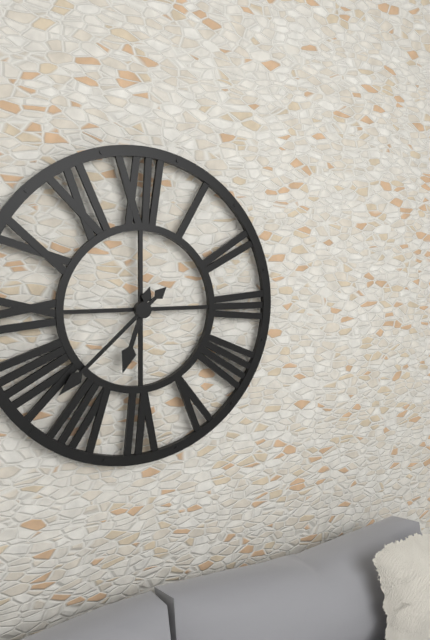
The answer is 6:38
